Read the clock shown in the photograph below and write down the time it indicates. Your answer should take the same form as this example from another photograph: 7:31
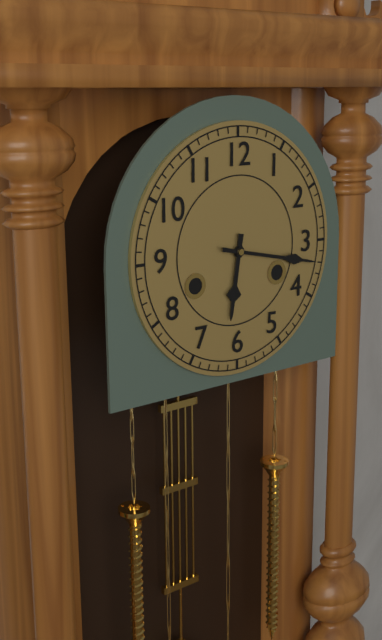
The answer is 6:17
